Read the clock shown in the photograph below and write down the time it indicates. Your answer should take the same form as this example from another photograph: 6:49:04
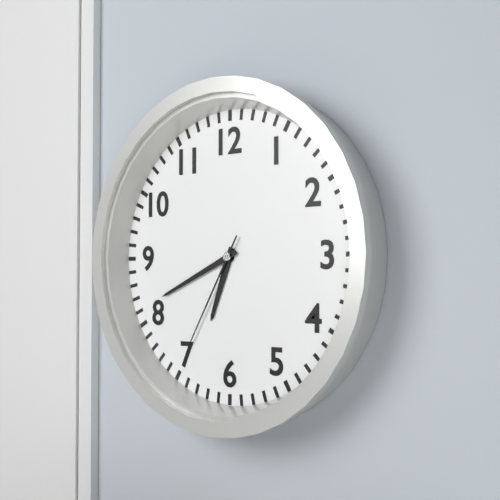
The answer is 6:41:35
